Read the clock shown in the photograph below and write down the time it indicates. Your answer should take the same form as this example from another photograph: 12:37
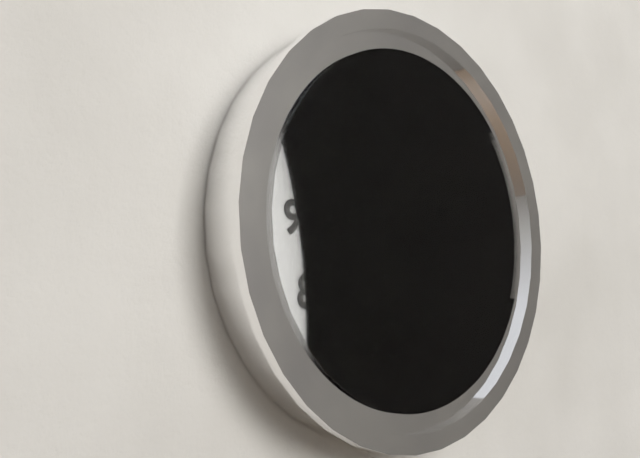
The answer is 7:32
